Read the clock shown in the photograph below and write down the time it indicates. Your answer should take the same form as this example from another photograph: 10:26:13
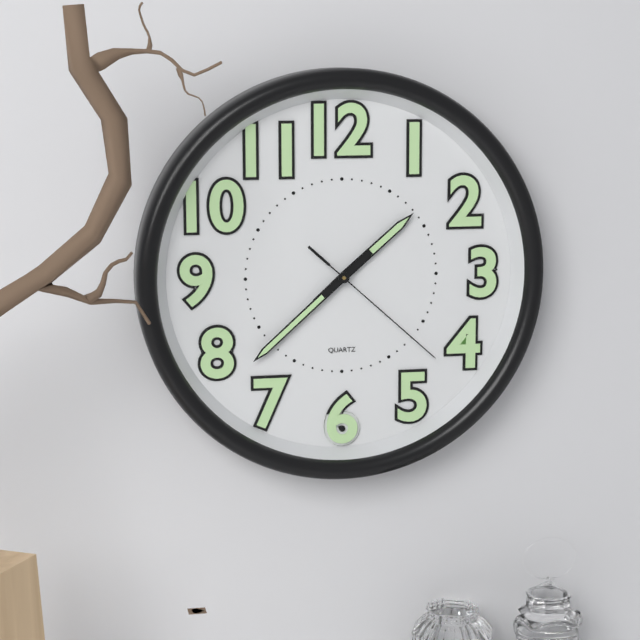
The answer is 1:38:22
